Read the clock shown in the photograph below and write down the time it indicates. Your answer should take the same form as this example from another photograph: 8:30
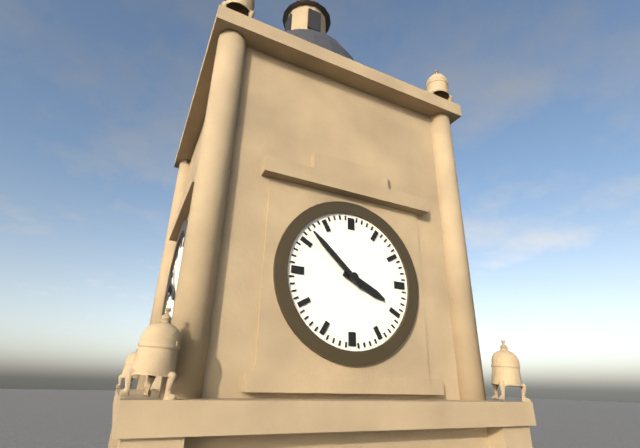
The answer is 3:52
